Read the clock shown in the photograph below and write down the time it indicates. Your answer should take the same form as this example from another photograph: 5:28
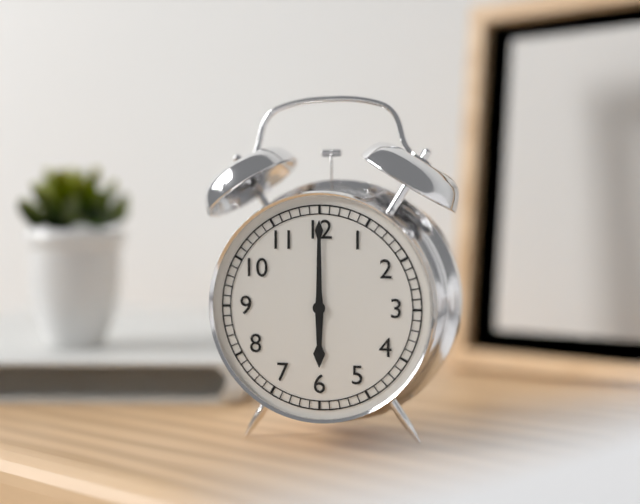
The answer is 6:00
